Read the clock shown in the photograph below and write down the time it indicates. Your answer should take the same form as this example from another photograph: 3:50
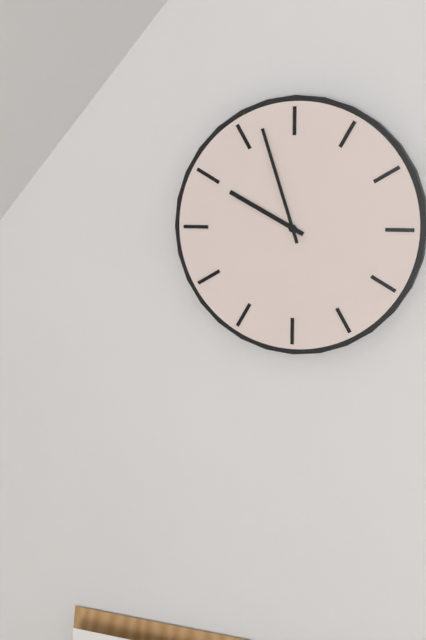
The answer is 9:57
